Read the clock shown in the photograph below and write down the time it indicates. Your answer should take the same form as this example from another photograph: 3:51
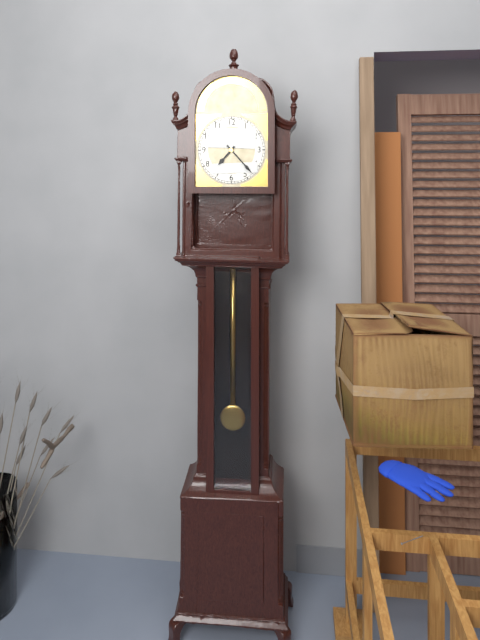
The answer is 7:23
